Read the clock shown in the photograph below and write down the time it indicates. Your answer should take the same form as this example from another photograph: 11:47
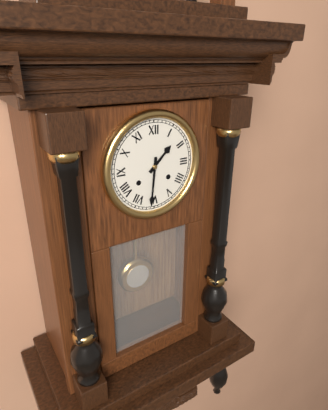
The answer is 1:31
